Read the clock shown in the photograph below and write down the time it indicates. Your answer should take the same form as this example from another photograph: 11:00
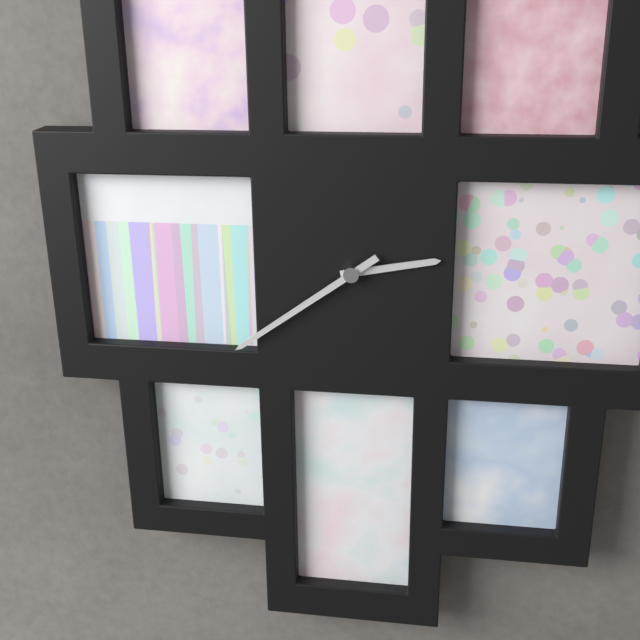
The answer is 2:39
